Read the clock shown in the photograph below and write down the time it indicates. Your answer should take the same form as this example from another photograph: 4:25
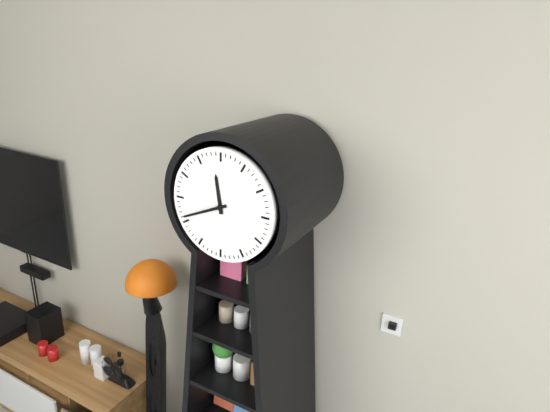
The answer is 11:41
